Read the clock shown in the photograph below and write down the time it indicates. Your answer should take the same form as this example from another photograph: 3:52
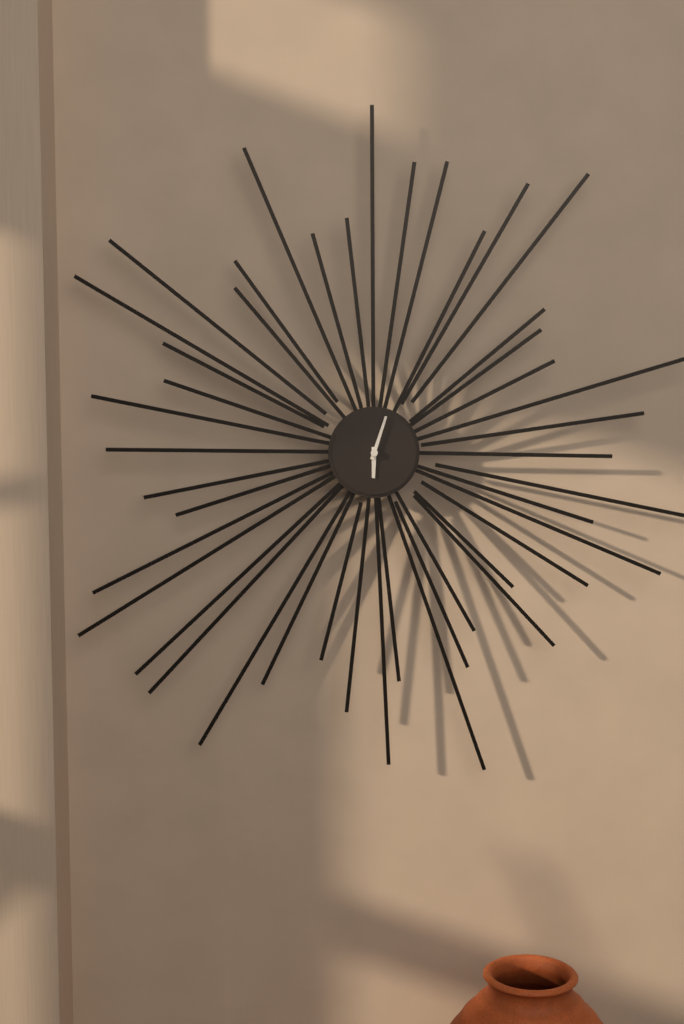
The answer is 6:03
